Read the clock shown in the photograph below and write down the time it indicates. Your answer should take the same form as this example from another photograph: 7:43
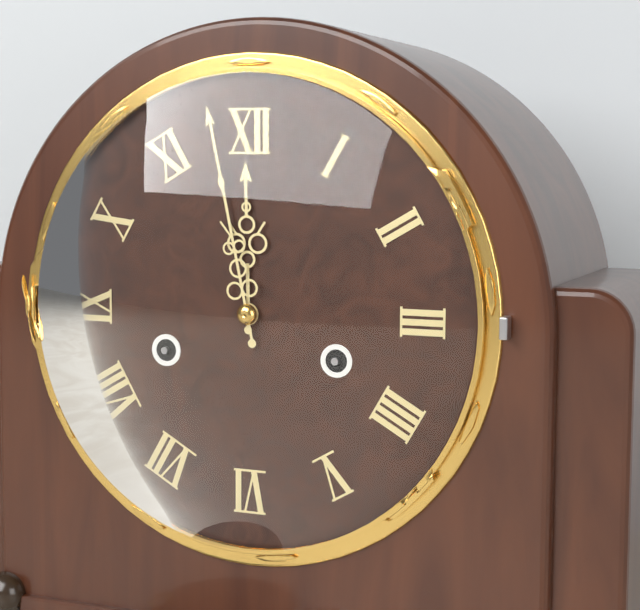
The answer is 11:58
